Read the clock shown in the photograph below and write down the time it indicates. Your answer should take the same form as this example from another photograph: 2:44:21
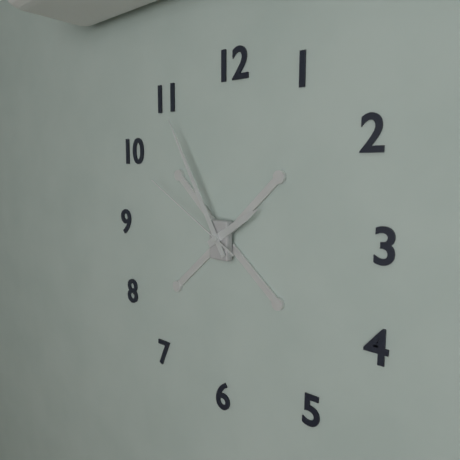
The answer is 1:55:50
